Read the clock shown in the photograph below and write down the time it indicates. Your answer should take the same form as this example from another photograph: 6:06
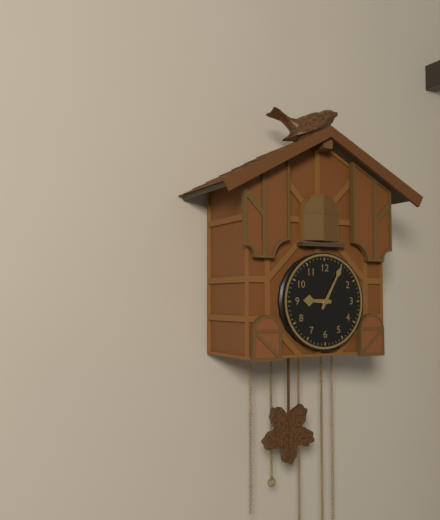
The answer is 9:05
